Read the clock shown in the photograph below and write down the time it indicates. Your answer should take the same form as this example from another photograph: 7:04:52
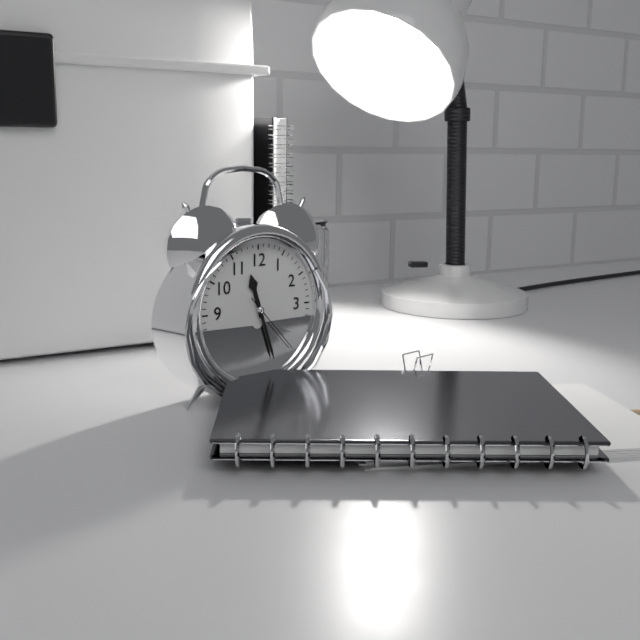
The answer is 11:27:23
